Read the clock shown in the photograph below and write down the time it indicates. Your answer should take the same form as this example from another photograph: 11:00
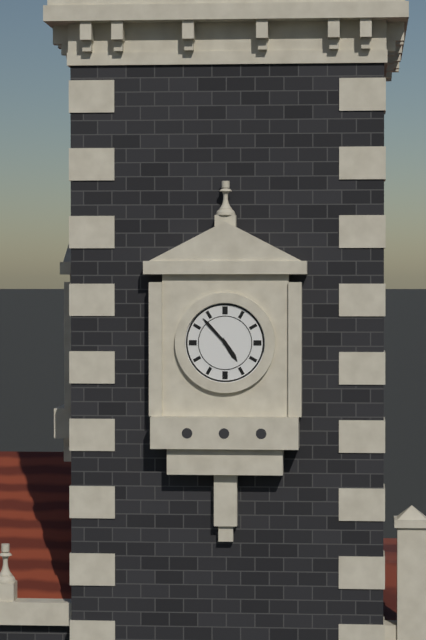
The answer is 4:53
